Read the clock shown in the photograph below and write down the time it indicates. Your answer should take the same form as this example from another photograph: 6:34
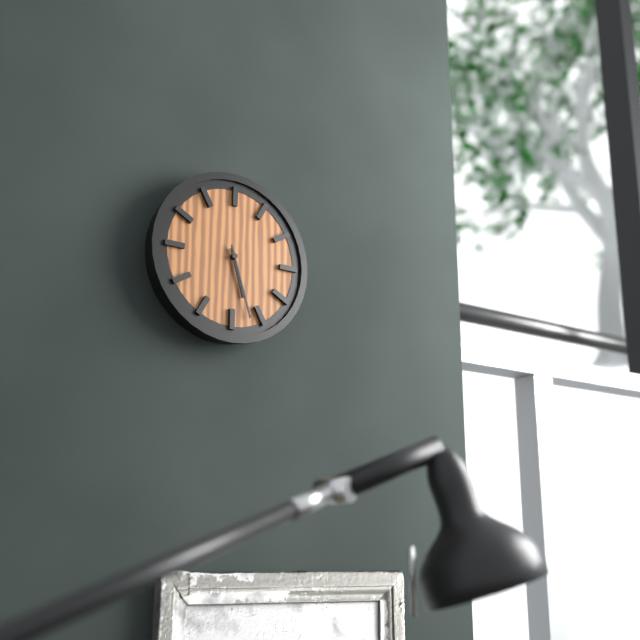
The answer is 5:27
